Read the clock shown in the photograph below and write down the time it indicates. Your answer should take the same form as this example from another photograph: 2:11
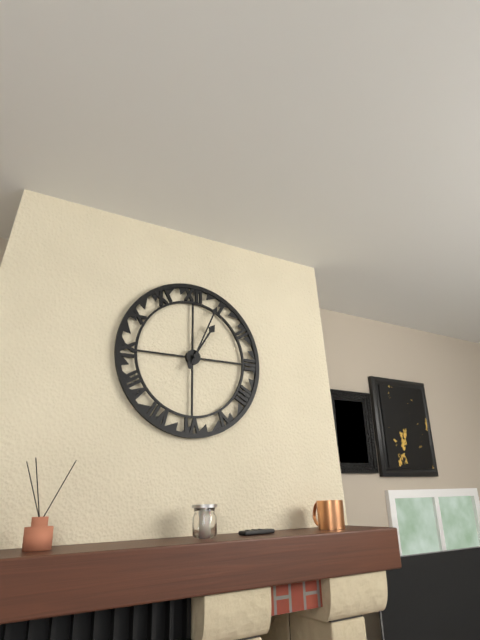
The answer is 1:04
